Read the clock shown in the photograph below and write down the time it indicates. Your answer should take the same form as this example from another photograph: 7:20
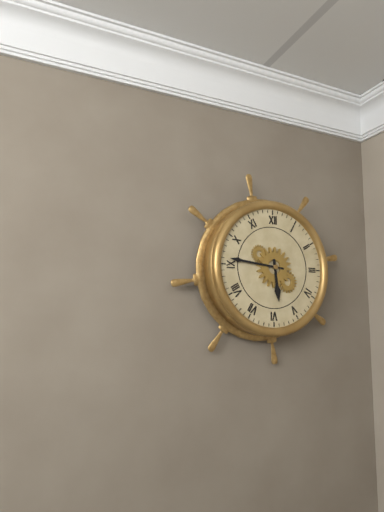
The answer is 5:46
